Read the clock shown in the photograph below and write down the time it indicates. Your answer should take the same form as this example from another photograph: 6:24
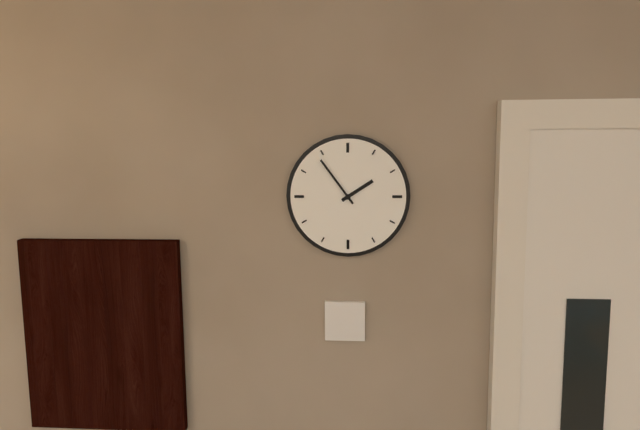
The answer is 1:54
